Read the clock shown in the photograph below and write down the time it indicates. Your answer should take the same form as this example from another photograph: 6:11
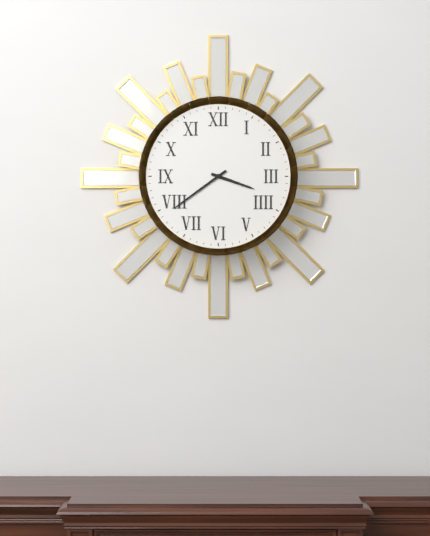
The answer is 3:39
